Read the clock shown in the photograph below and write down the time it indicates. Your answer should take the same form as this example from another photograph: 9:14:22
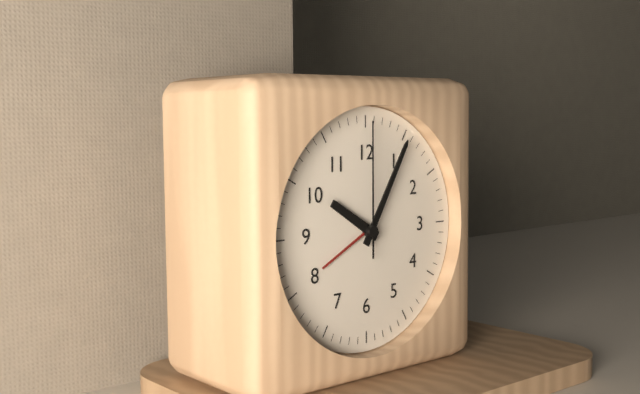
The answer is 10:05:00
